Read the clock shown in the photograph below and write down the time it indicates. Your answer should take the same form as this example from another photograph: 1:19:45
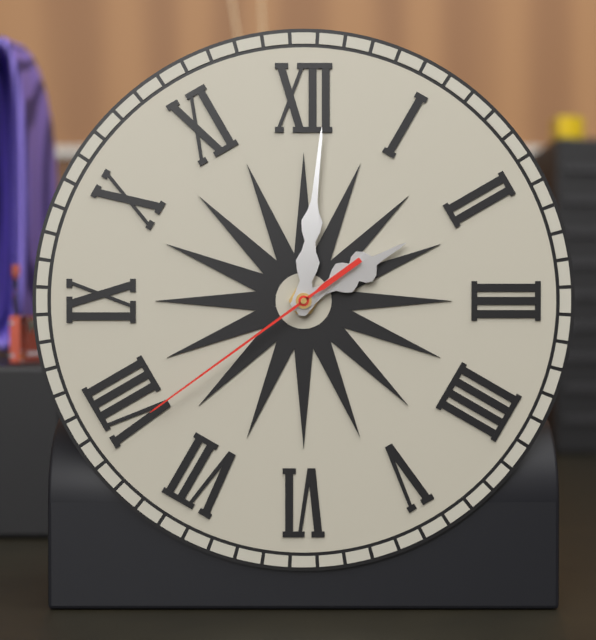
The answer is 2:01:39
